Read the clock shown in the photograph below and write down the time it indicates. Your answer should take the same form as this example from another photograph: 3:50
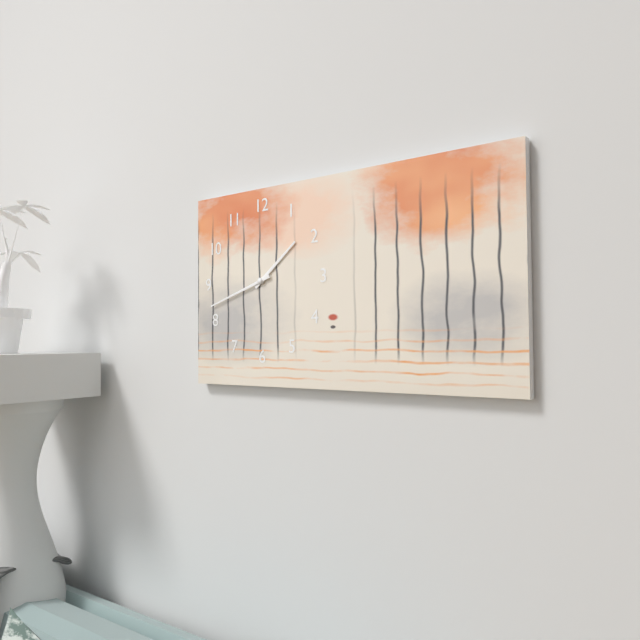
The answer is 1:42
